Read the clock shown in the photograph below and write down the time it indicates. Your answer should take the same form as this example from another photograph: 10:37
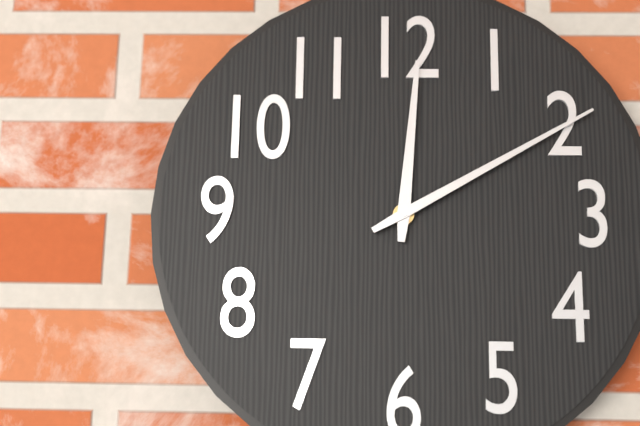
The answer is 12:10
